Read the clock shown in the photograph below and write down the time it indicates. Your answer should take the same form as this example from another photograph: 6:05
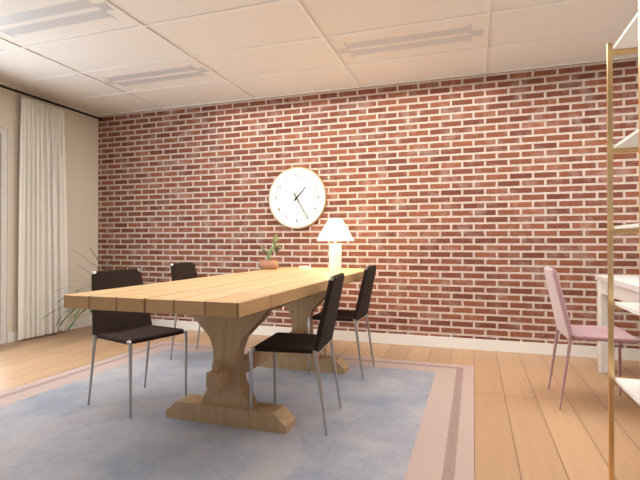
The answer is 1:25
